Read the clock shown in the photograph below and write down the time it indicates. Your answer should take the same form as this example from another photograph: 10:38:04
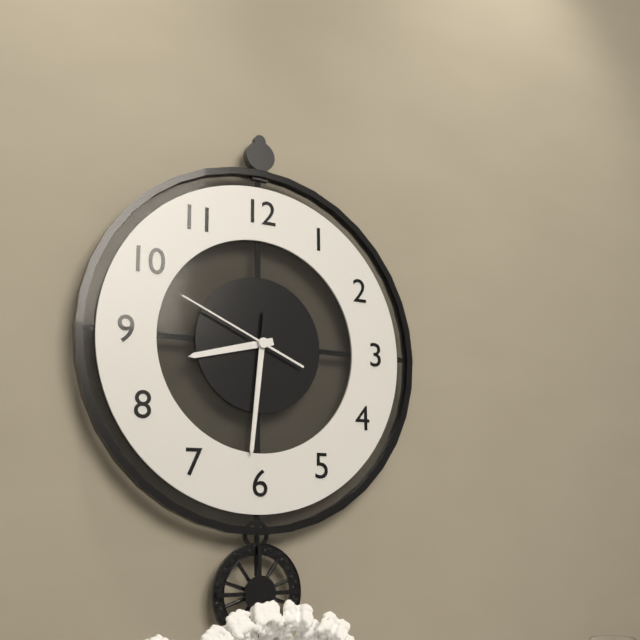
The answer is 8:31:49
